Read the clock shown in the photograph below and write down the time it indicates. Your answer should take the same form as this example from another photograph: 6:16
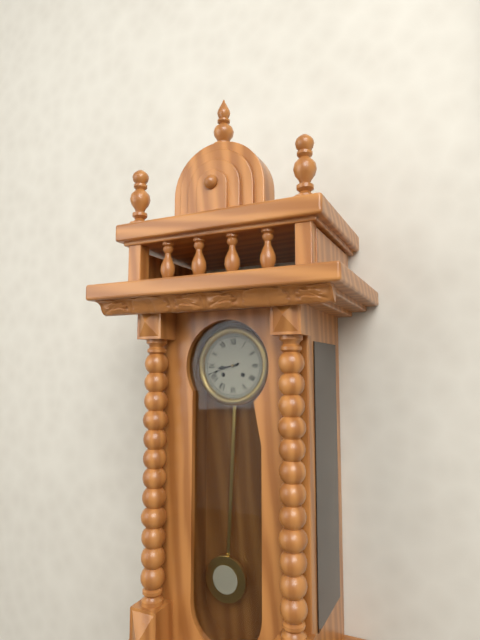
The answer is 8:42
